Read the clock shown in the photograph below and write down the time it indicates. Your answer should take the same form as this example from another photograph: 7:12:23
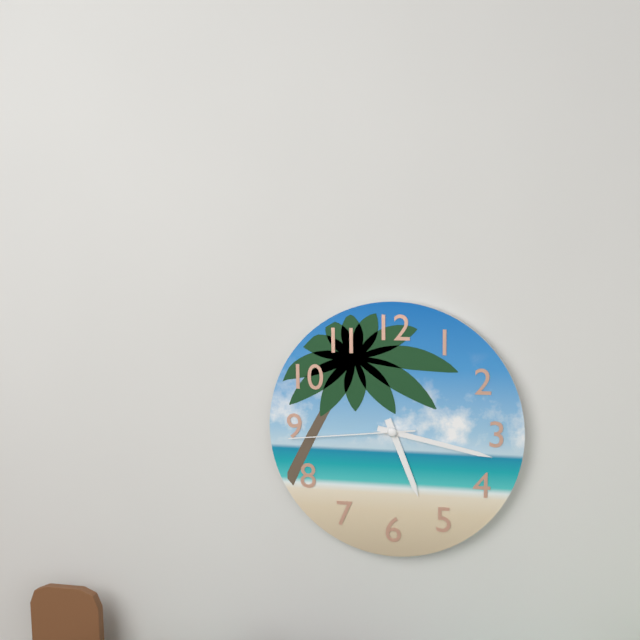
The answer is 5:17:44
